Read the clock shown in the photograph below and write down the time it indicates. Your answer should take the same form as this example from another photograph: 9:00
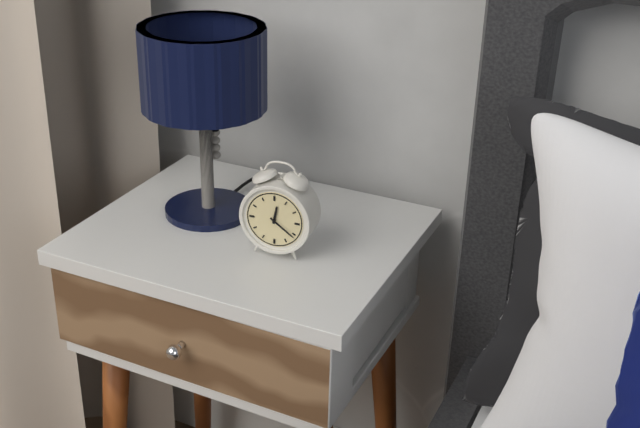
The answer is 12:21
